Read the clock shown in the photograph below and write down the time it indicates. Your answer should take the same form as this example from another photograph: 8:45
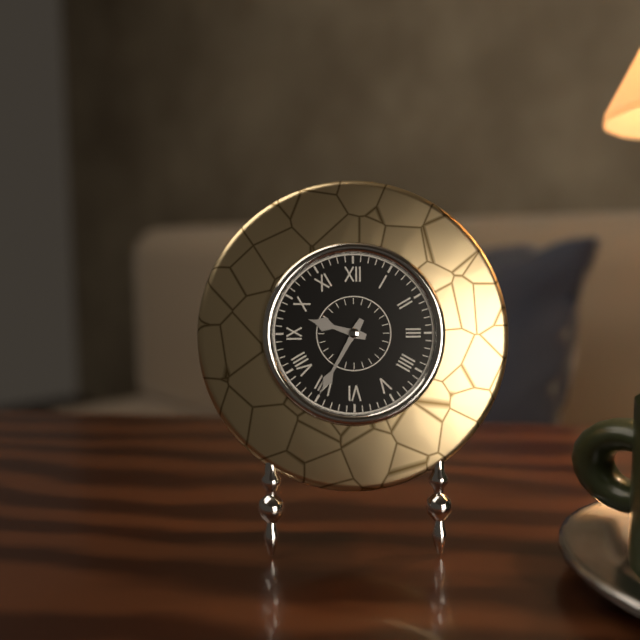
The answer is 9:35
